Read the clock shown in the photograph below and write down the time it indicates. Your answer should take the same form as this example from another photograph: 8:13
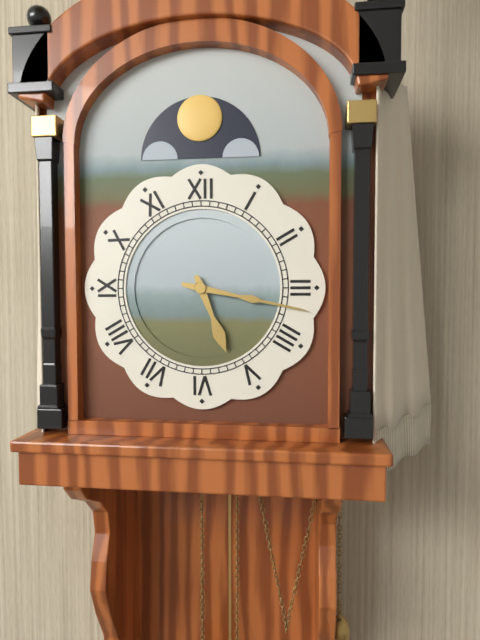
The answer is 5:17
